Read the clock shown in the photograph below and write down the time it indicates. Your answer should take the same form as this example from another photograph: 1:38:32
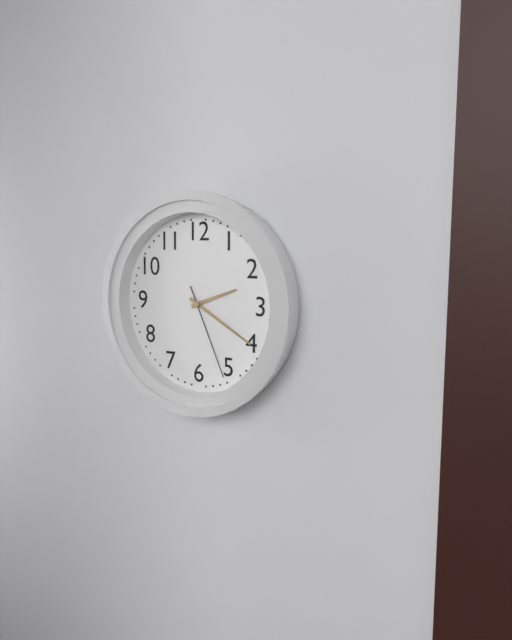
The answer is 2:20:26
